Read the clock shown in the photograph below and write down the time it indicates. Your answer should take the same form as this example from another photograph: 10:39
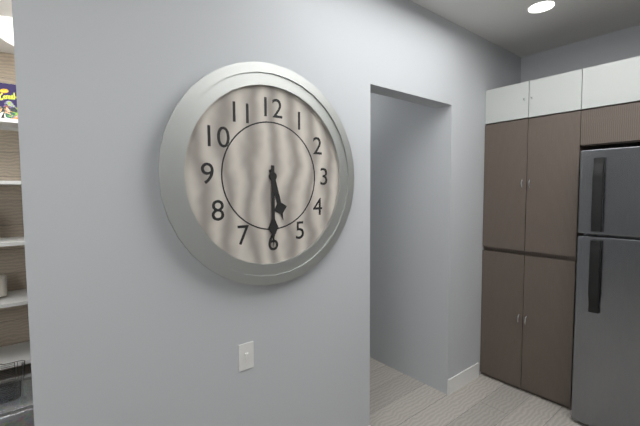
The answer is 5:30
